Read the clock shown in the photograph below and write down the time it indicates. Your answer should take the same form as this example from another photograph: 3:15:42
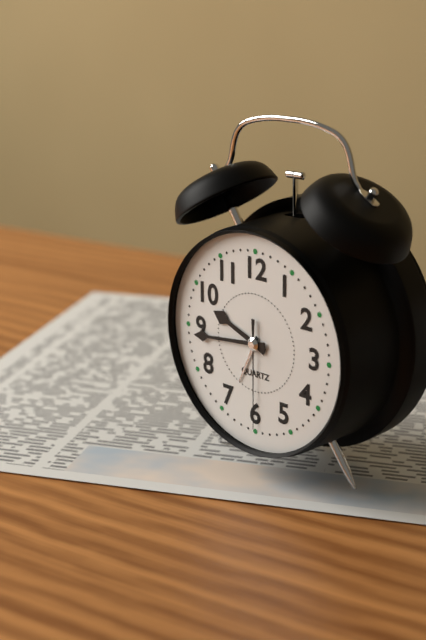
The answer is 9:44:30
